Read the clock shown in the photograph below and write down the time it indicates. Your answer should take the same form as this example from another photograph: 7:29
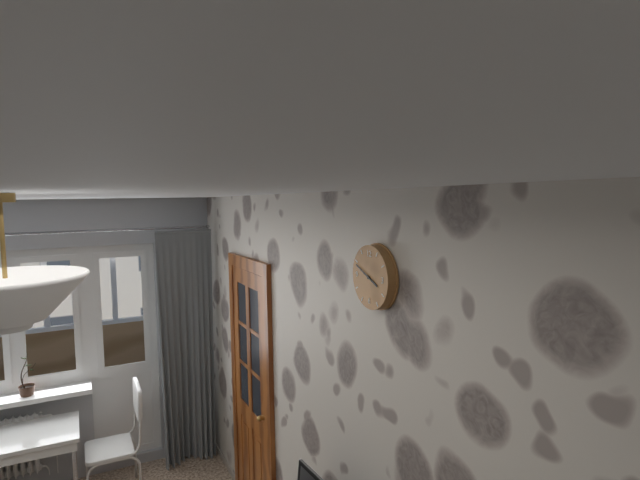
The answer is 3:49
